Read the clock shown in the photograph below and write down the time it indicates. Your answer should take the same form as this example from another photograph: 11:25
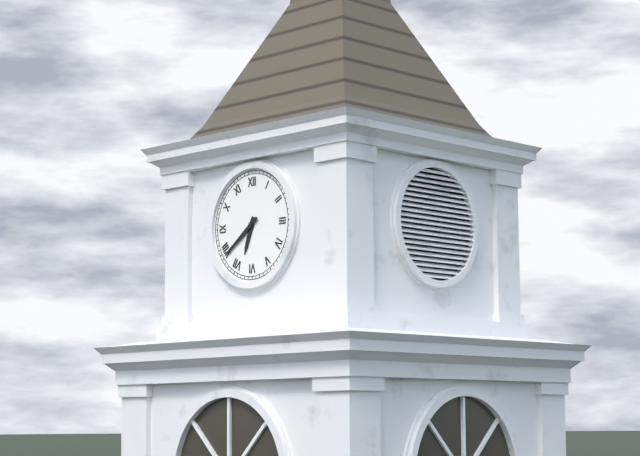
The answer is 6:39
